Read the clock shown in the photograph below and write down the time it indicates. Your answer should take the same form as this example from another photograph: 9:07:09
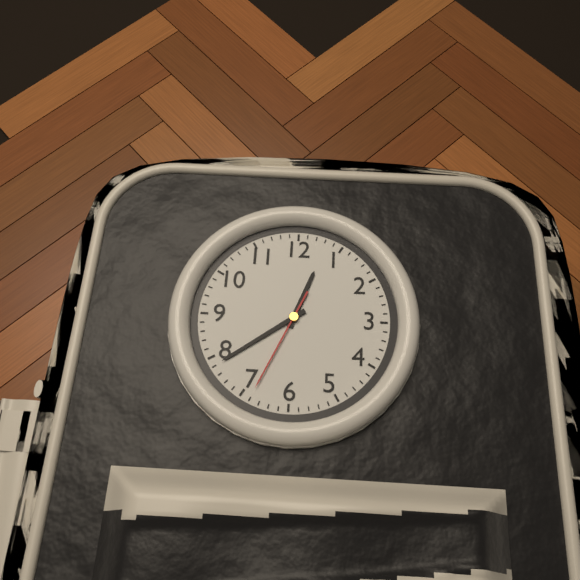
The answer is 12:39:34
